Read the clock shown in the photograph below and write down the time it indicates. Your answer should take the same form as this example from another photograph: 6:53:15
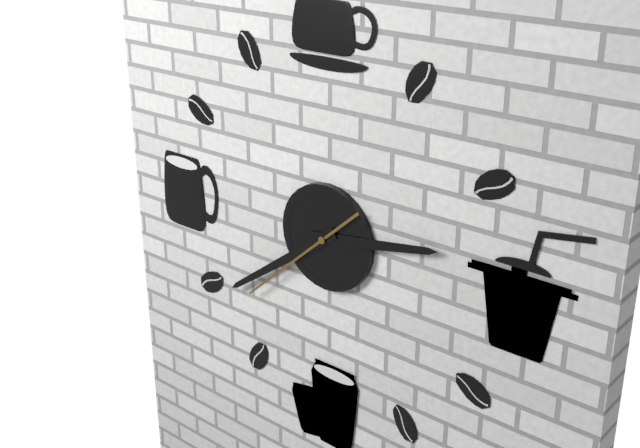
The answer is 2:39:38
